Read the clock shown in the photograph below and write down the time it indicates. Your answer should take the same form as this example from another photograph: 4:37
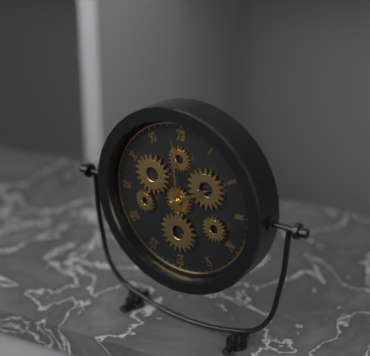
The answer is 1:59
